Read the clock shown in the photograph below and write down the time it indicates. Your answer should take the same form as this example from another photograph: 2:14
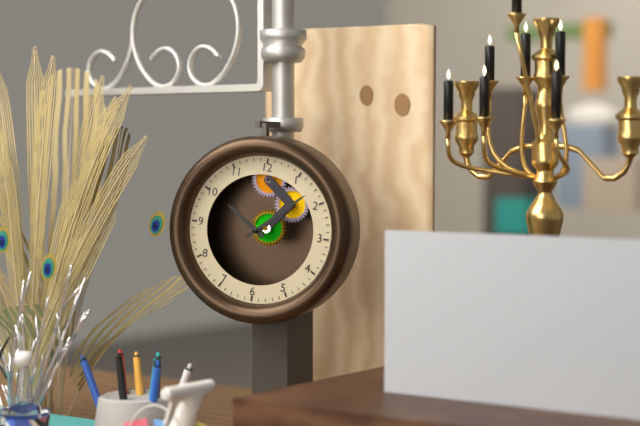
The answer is 10:08
